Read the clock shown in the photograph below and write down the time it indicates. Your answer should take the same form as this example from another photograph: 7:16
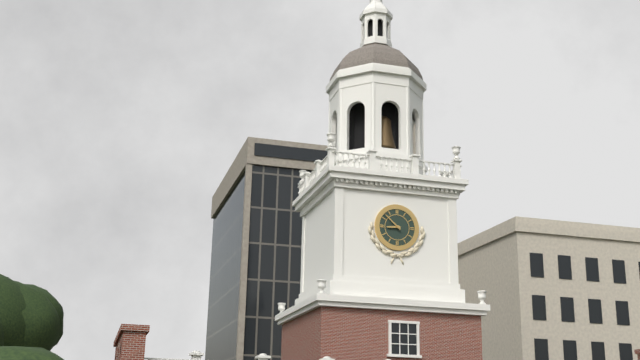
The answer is 8:52
